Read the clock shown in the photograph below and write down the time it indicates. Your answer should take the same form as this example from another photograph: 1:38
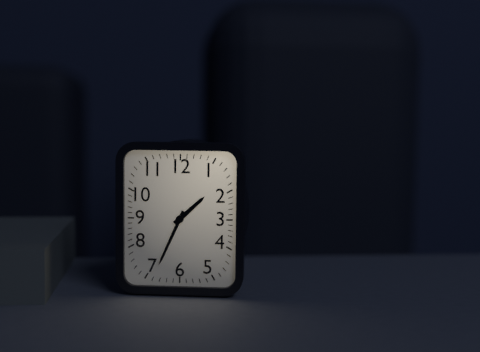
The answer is 1:34
